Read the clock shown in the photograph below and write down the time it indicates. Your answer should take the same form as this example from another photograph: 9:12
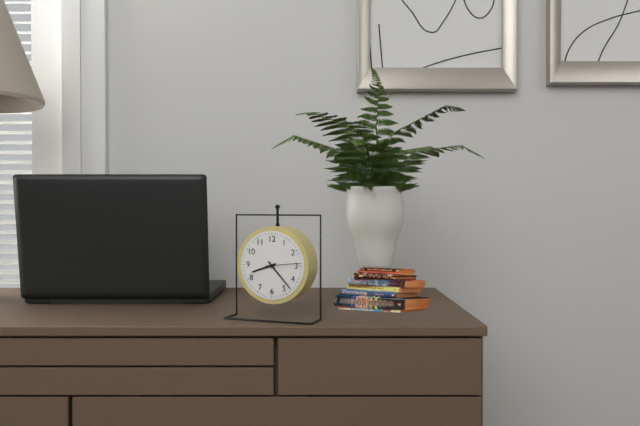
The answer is 8:23
